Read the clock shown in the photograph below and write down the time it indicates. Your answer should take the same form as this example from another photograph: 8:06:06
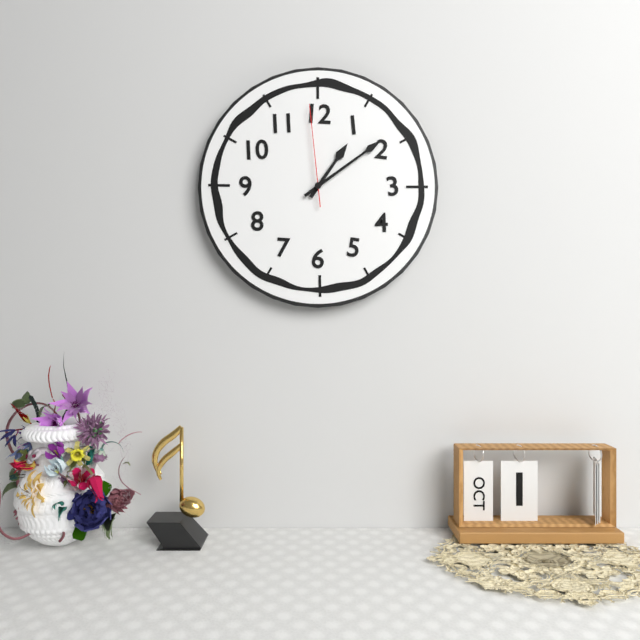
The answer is 1:09:59
